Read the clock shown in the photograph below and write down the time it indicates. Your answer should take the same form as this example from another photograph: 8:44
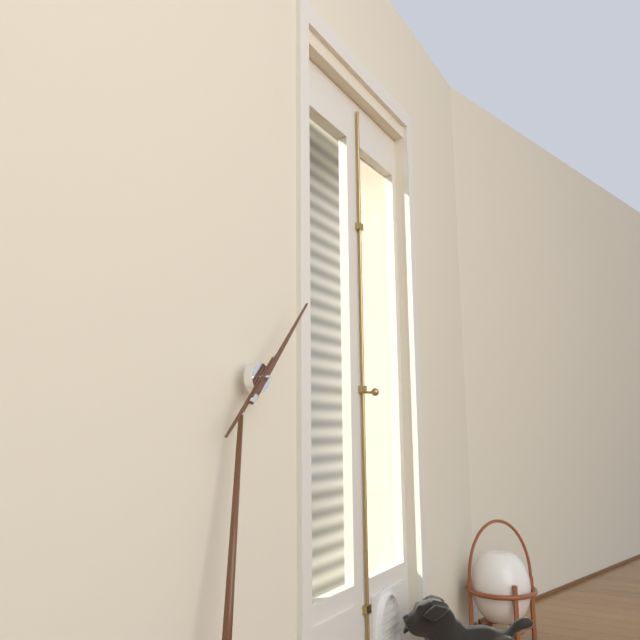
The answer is 7:05
